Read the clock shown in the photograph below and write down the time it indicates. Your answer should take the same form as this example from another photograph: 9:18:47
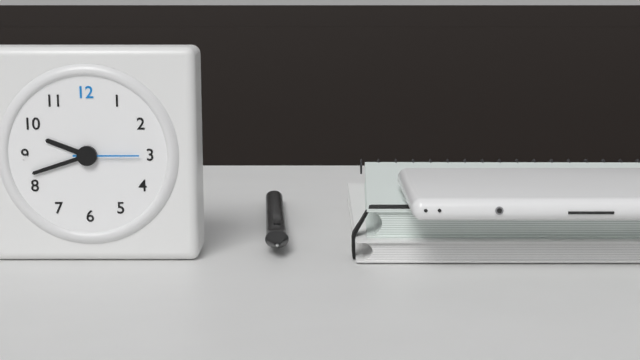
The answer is 9:42:15
